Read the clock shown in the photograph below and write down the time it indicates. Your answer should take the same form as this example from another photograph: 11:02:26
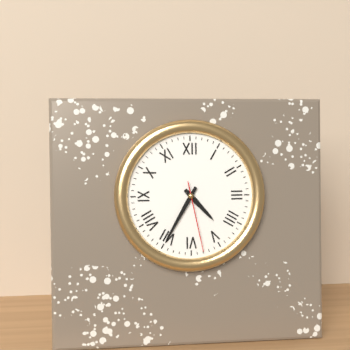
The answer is 4:35:28
